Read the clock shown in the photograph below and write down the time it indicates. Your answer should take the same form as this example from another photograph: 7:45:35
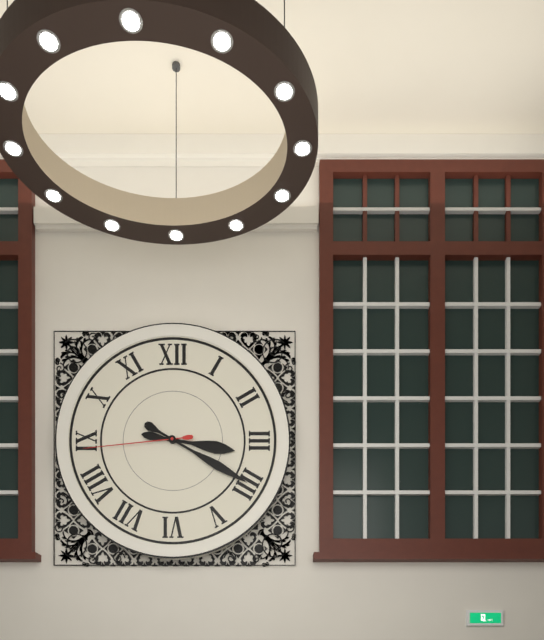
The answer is 3:20:44
